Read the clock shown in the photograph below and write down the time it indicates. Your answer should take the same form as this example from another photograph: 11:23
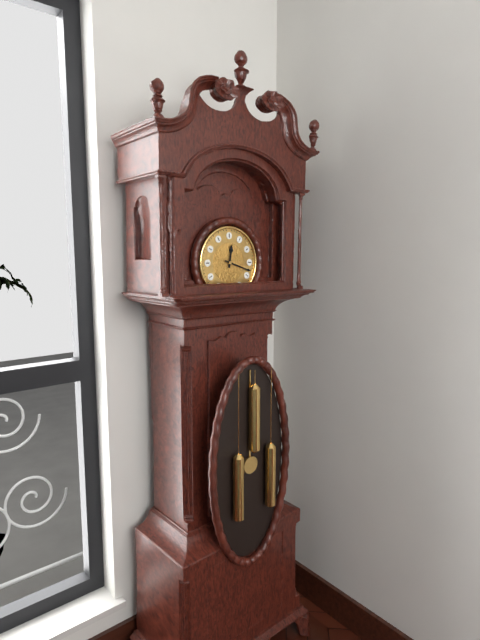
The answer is 12:18
